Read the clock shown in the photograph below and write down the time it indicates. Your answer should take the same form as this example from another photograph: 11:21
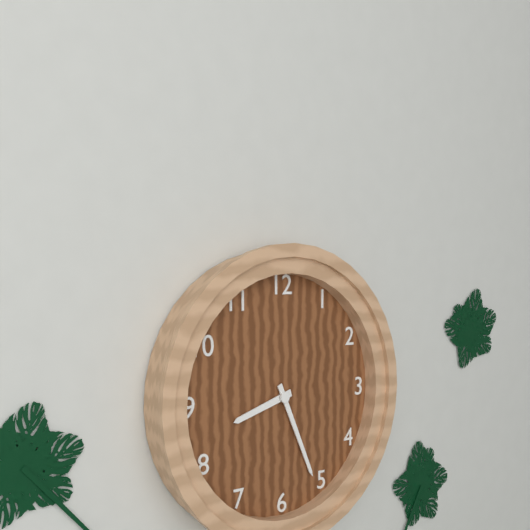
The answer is 8:26
